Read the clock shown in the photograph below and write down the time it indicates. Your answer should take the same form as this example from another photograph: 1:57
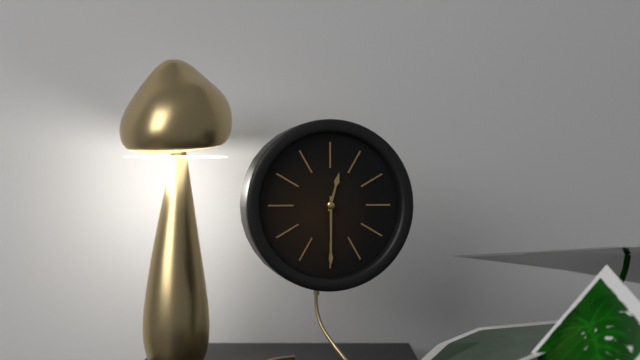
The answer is 12:30
